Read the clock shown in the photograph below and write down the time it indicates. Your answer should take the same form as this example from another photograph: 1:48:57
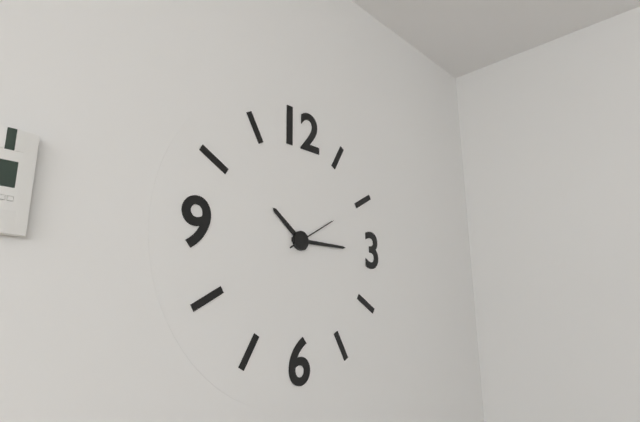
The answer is 10:15:10
